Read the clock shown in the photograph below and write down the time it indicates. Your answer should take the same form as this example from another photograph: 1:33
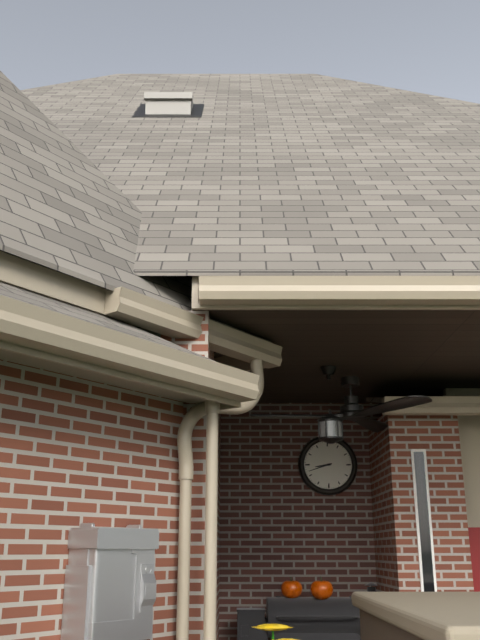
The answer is 8:42
